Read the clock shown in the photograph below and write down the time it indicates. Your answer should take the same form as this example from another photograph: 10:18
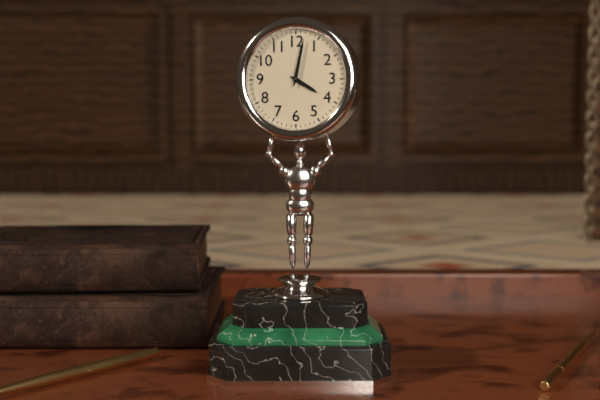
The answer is 4:02
